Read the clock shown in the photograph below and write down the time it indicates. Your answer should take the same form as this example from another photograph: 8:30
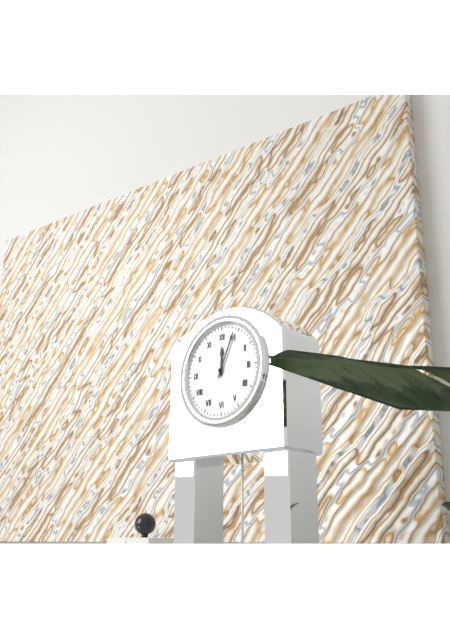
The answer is 12:04
